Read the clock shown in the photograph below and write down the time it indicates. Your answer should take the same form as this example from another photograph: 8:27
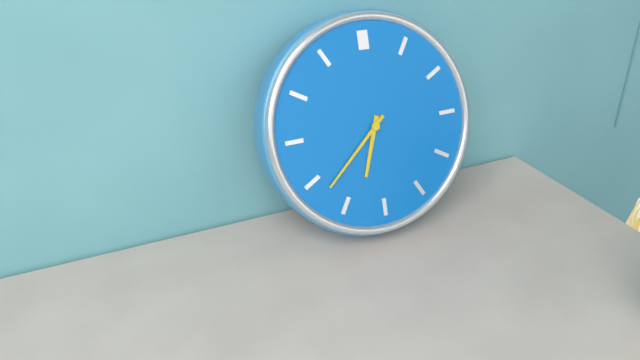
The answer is 6:38
